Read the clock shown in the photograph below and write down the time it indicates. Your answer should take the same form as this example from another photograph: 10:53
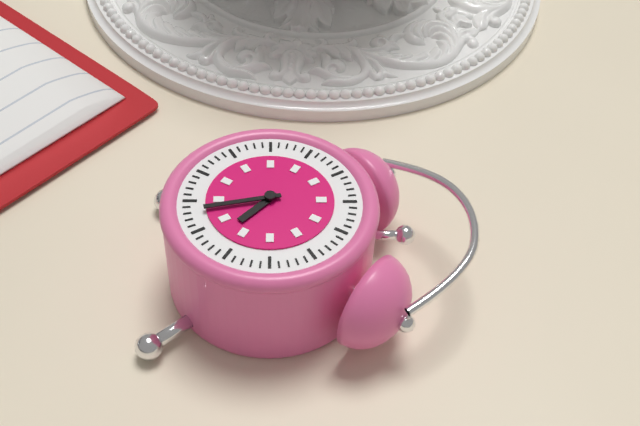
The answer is 4:28
